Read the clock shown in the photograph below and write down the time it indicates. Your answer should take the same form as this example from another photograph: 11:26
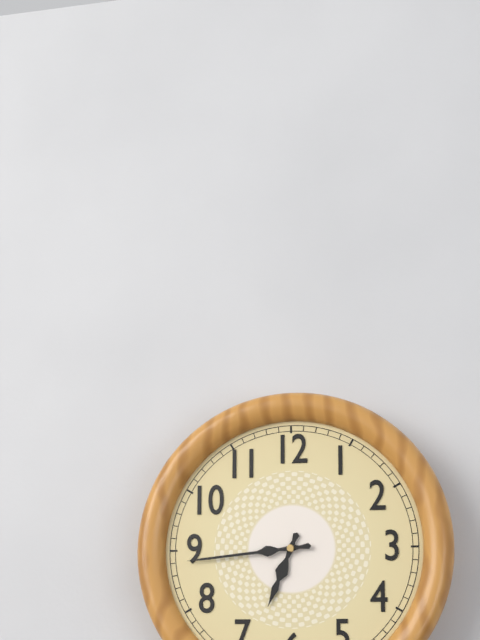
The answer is 6:44
